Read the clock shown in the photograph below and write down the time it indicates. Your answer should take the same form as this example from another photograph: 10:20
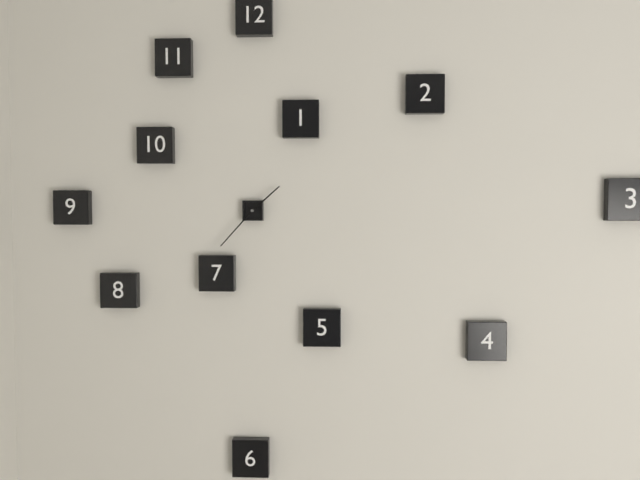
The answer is 1:37
